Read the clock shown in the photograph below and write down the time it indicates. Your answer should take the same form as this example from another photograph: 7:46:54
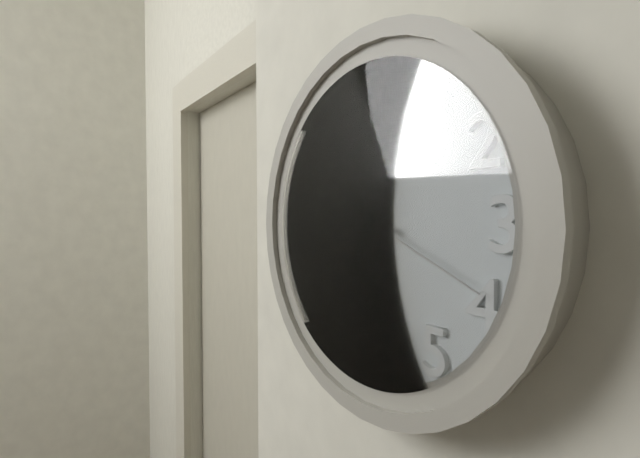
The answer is 5:47:19
